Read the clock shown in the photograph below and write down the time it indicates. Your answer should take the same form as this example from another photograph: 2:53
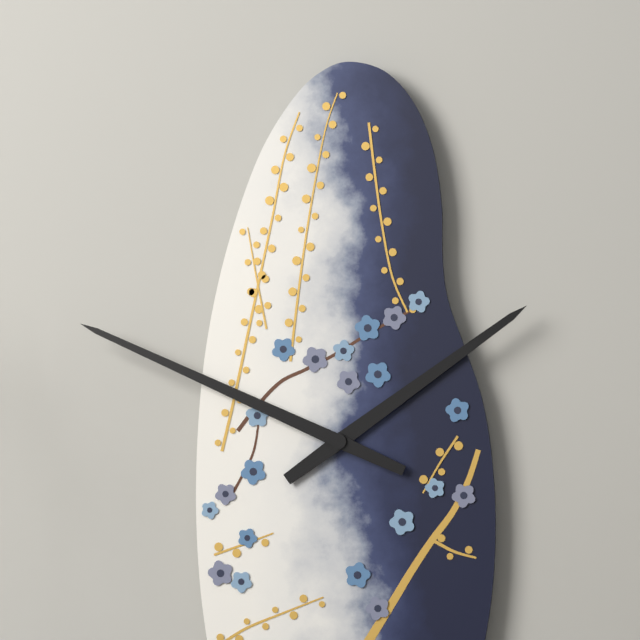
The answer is 1:49
